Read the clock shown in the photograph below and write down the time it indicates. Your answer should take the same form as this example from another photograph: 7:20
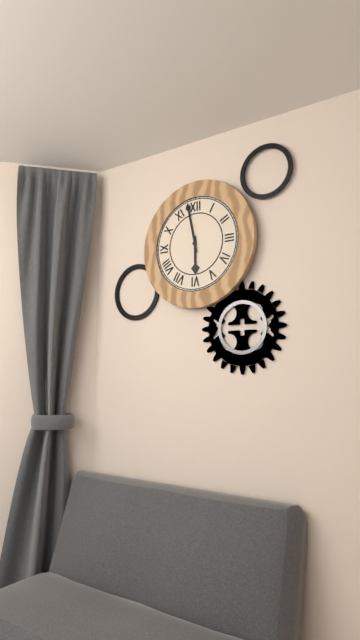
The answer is 5:58
